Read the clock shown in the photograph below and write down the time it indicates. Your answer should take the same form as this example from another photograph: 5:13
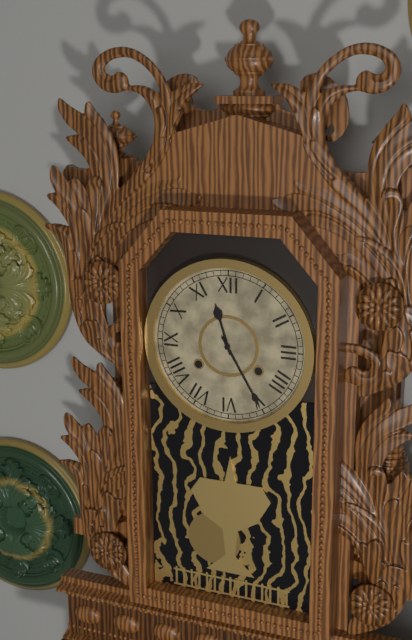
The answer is 11:25
